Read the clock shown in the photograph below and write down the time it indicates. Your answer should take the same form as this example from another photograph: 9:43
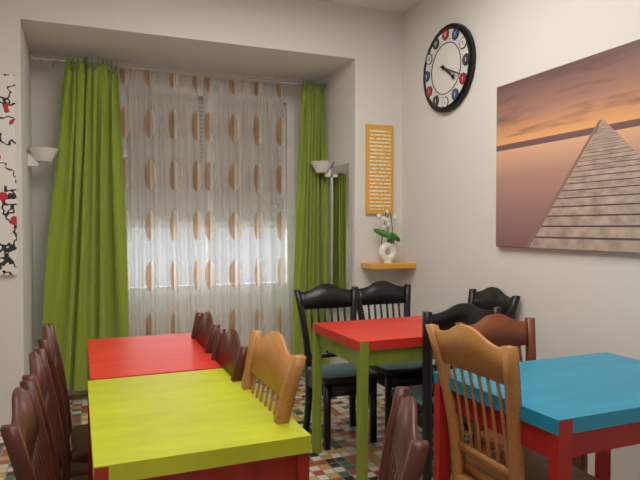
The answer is 4:19
